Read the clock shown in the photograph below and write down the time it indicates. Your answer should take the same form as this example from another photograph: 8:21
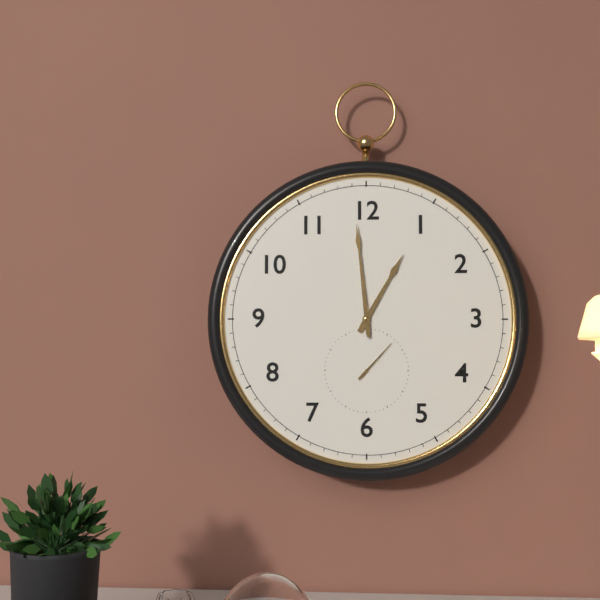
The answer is 12:59
